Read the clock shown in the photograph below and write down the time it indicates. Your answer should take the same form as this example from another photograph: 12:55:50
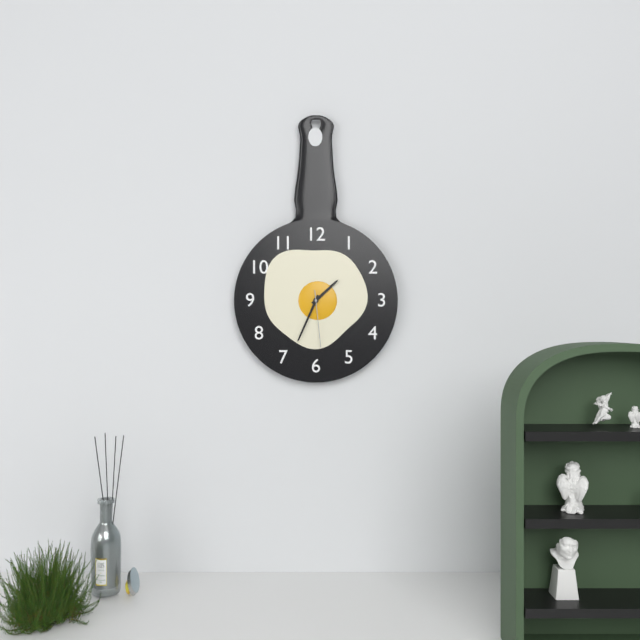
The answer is 1:34:29
